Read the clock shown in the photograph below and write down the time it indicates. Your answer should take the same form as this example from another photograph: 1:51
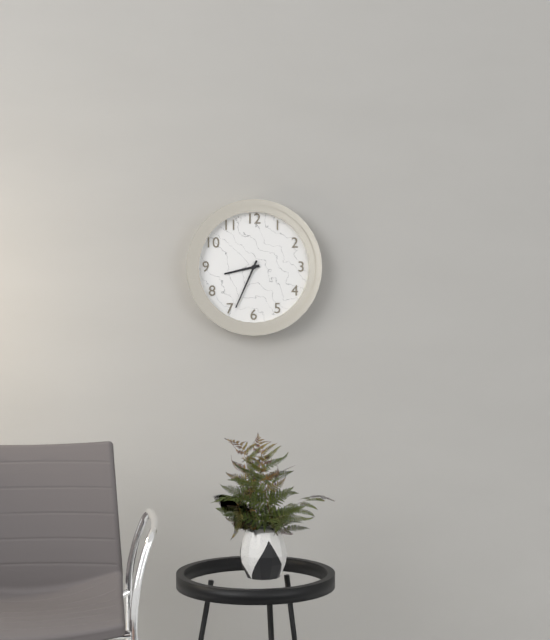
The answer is 8:34
